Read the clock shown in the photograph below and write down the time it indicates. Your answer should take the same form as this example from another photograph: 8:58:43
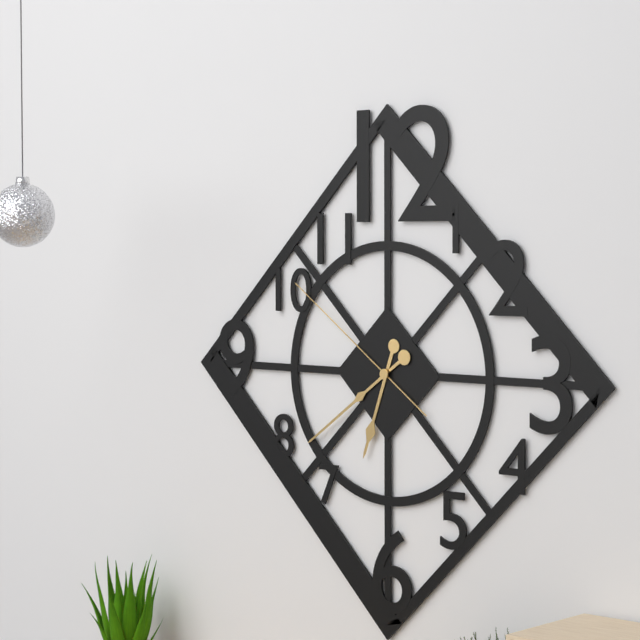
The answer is 6:39:51
